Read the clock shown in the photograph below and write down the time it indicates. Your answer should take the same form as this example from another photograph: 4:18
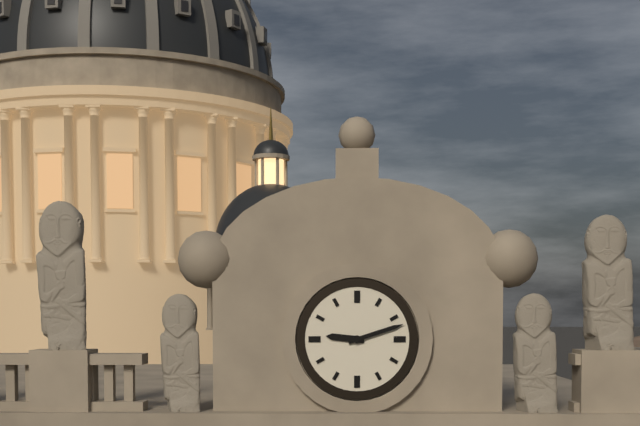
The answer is 9:12
